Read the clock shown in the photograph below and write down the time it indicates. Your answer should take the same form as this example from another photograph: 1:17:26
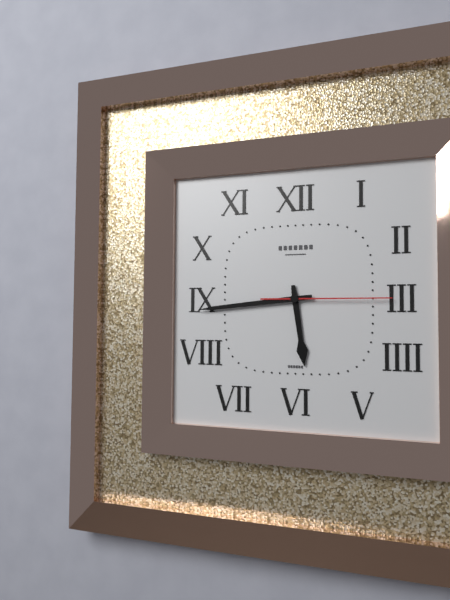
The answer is 5:44:15
